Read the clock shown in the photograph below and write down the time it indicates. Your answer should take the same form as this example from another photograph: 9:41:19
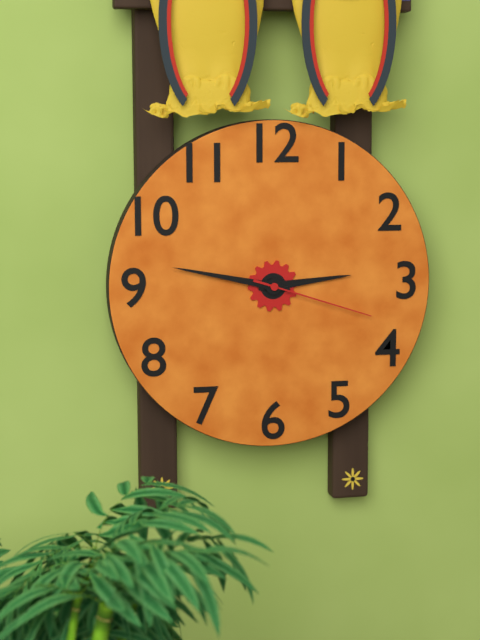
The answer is 2:47:18
